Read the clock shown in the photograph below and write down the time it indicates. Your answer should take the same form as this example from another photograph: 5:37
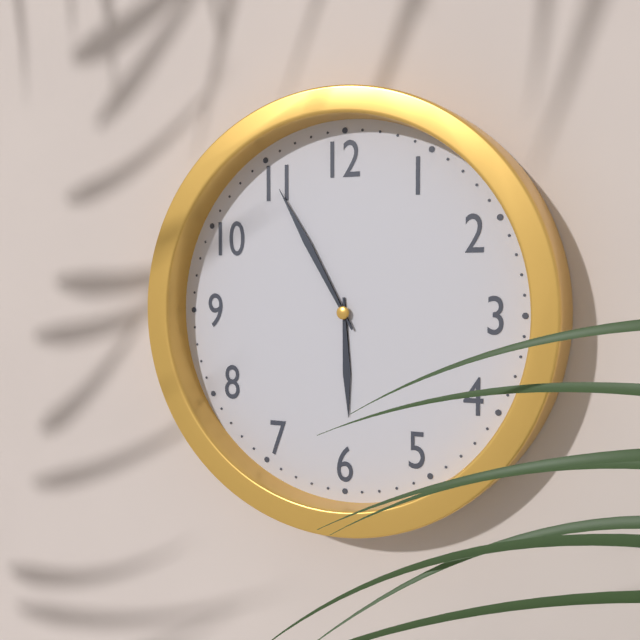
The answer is 5:55
